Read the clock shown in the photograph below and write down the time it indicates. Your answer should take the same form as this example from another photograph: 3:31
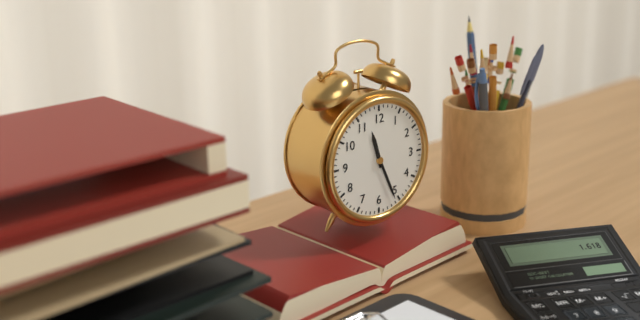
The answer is 11:26
